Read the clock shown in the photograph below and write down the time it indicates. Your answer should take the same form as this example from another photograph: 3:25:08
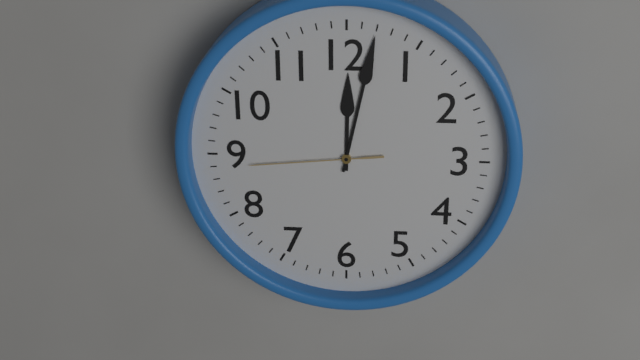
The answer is 12:02:44
